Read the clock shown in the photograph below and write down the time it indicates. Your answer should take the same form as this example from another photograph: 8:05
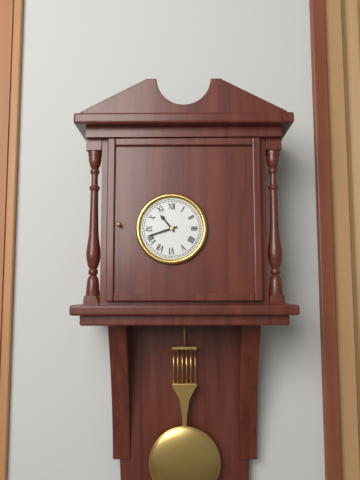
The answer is 10:42
